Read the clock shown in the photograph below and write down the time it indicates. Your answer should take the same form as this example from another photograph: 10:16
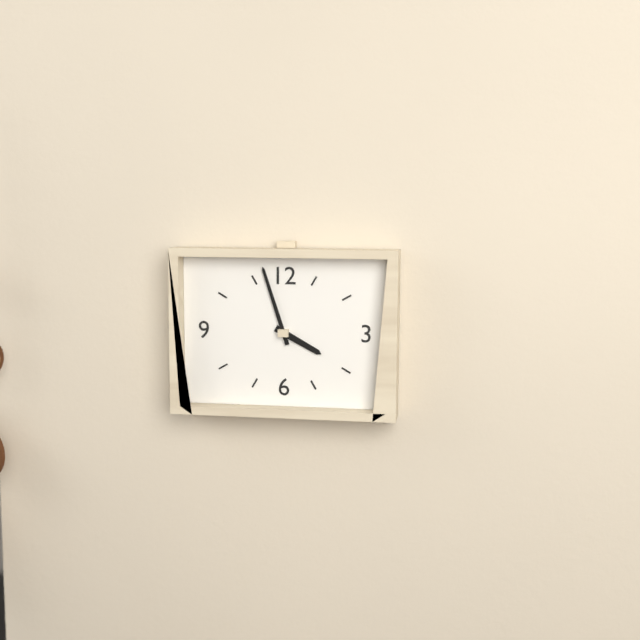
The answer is 3:57
